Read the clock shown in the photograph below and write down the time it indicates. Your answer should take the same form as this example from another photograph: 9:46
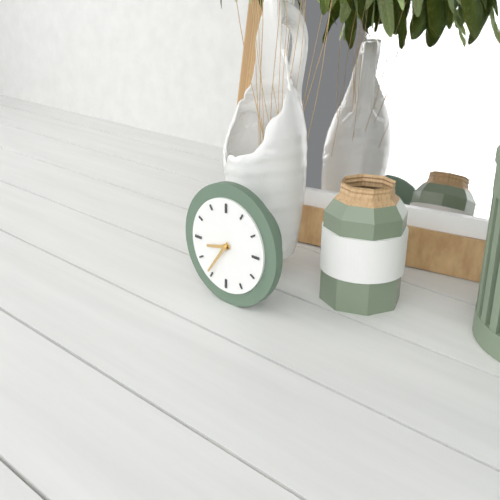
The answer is 8:36
